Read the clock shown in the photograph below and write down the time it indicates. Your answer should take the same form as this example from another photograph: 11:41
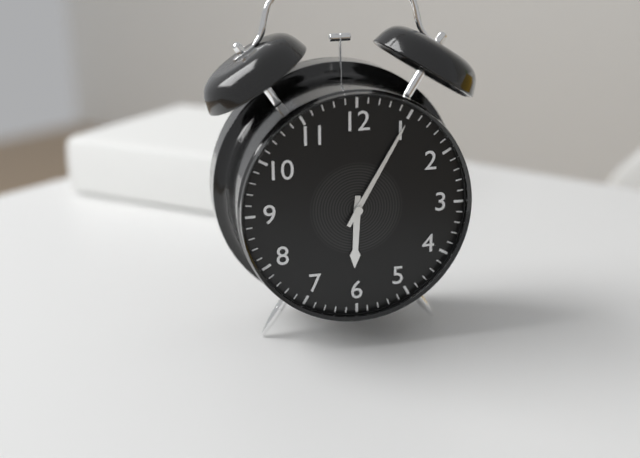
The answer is 6:05
